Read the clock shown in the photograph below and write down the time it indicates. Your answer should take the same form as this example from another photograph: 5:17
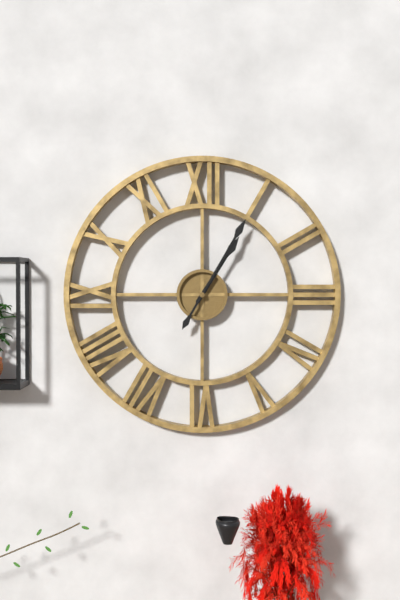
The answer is 1:05
